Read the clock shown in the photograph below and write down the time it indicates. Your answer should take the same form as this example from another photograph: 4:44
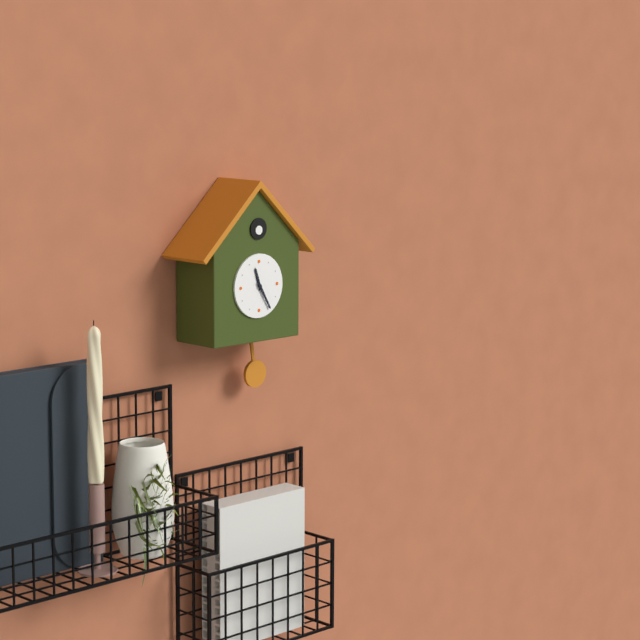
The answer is 11:25
